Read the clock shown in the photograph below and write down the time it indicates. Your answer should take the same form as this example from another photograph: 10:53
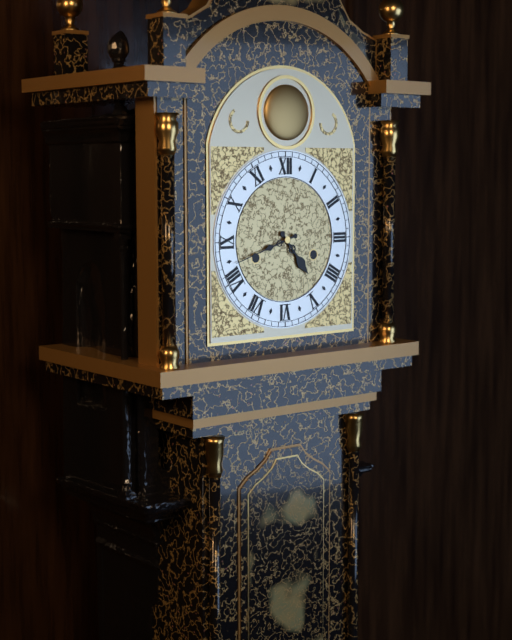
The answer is 4:42
